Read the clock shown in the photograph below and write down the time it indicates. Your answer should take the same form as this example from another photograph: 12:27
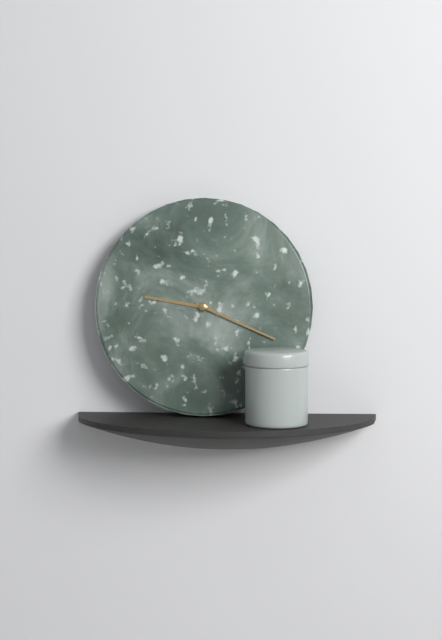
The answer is 9:19
